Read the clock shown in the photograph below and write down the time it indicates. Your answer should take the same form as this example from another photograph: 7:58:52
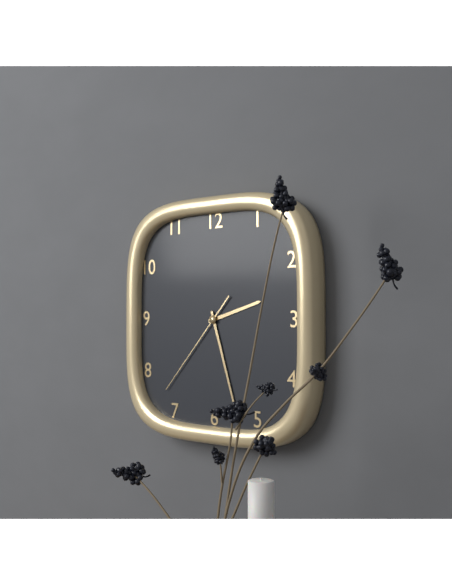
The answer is 2:27:37
